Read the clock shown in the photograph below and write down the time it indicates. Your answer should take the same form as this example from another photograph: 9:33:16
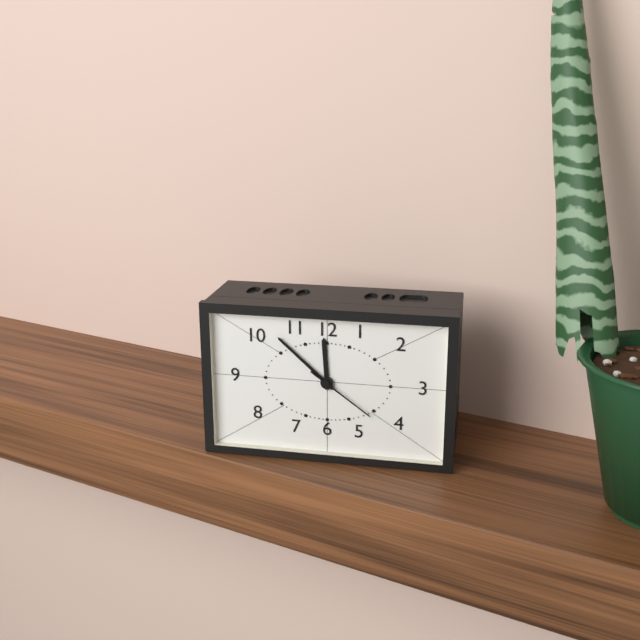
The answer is 11:52:21
